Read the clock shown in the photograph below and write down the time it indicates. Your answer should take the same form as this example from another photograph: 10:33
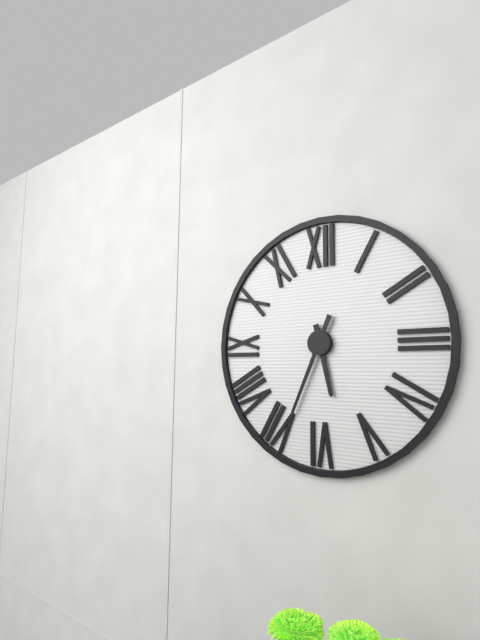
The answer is 5:34
